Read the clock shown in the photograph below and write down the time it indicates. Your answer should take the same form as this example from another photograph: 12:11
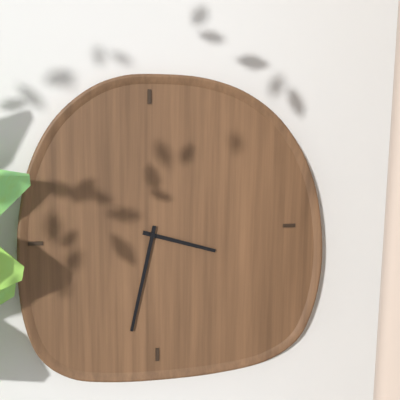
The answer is 3:32
